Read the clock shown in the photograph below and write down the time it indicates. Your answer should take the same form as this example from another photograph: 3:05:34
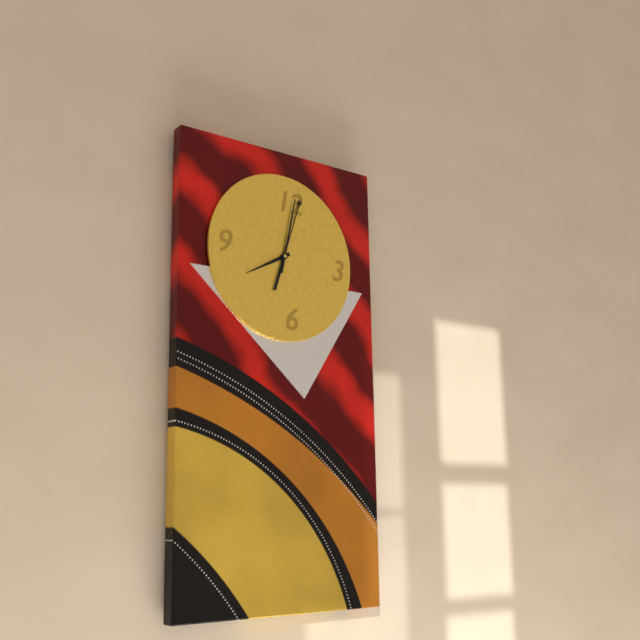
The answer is 8:03:02
